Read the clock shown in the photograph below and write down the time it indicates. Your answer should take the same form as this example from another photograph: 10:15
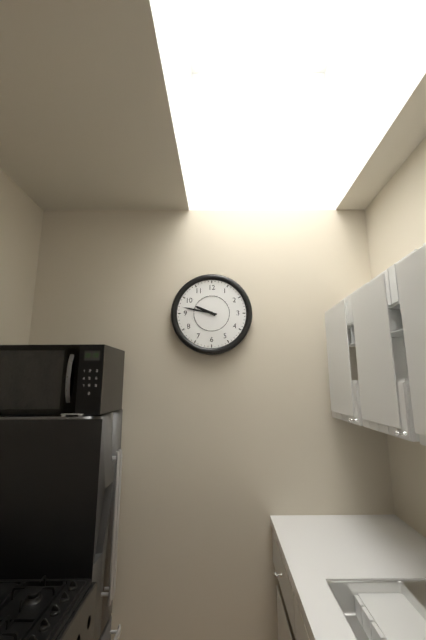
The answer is 9:47
